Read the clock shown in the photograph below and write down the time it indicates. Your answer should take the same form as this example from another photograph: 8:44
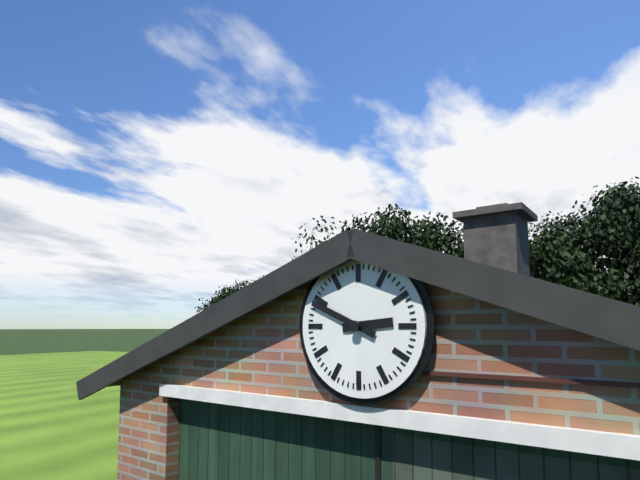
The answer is 2:49
